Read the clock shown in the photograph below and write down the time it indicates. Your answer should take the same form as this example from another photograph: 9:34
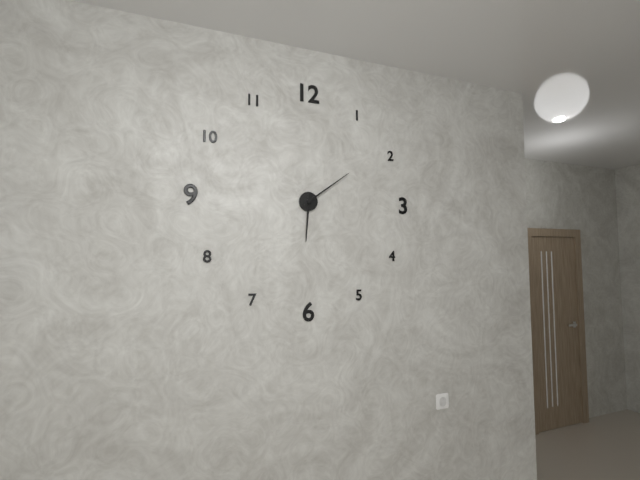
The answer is 6:09
